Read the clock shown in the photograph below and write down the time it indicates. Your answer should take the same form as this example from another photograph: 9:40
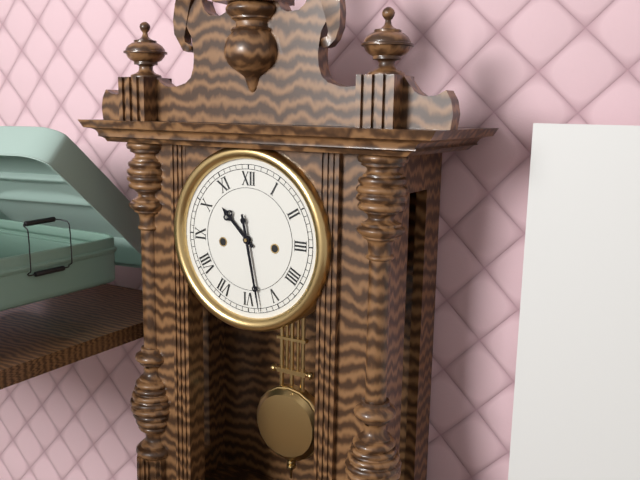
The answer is 10:28
